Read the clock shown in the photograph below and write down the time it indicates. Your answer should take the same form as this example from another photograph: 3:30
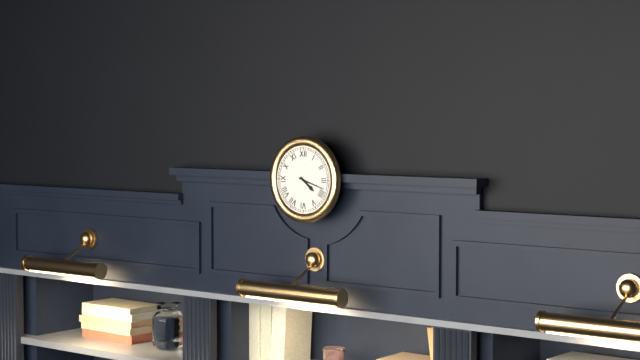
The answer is 4:18
